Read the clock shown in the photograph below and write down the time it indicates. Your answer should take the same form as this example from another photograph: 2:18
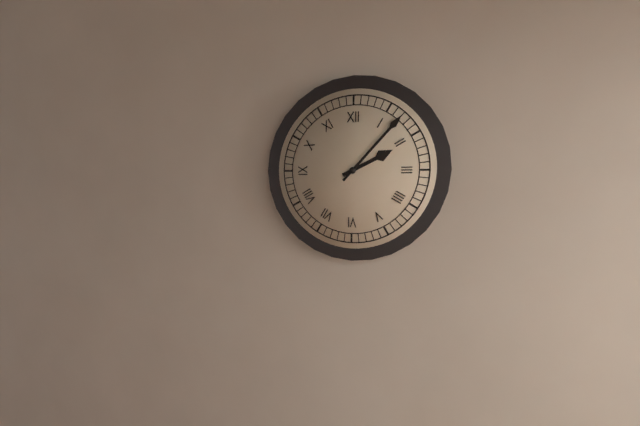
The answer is 2:07
